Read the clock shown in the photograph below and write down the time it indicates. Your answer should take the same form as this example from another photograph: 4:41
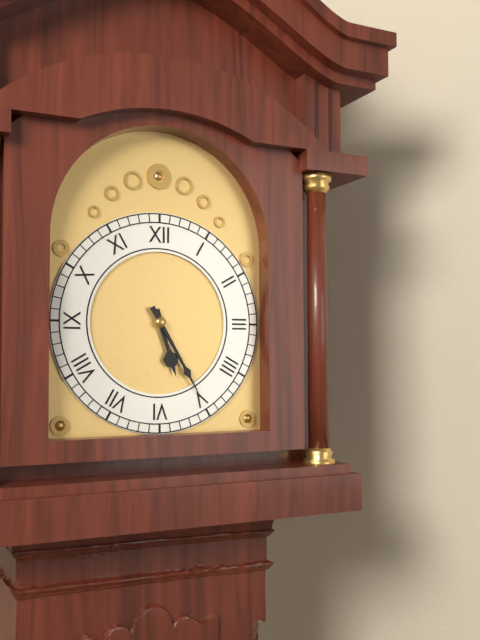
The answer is 5:25
